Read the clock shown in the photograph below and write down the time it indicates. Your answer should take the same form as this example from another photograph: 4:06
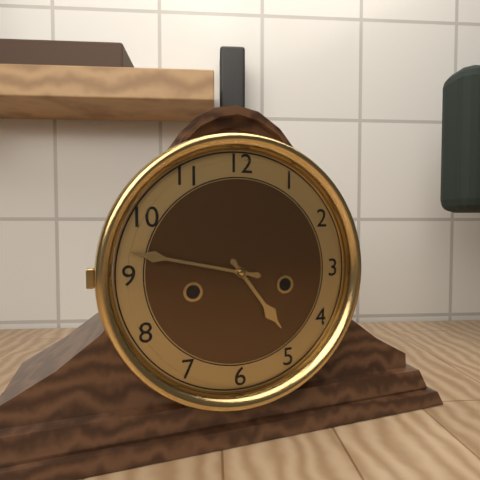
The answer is 4:47
